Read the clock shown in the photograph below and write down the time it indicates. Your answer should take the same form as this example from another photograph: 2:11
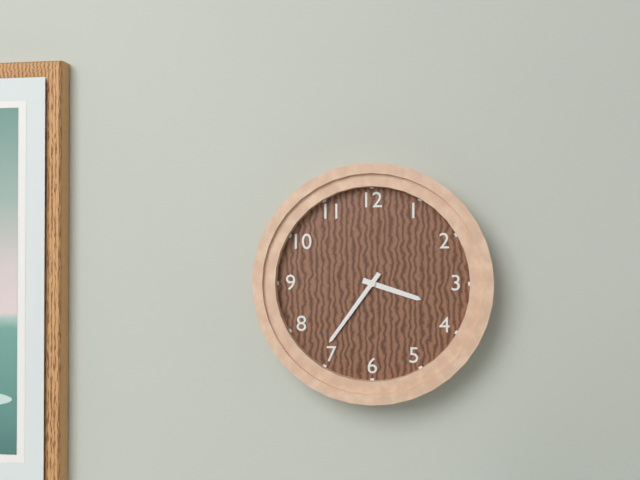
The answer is 3:36
